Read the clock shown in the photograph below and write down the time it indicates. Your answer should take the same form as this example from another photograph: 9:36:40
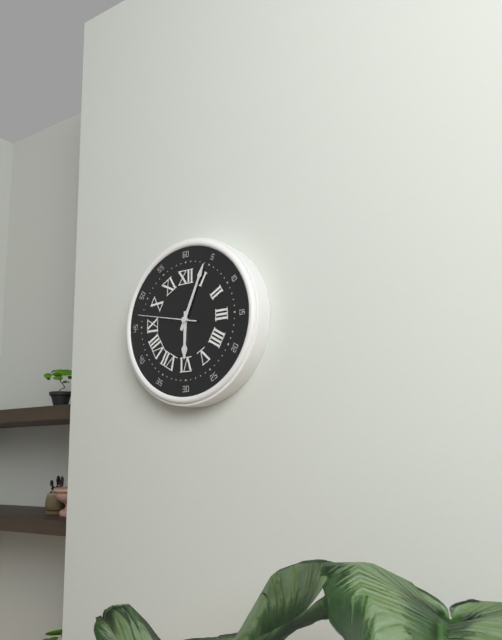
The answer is 6:04:47
